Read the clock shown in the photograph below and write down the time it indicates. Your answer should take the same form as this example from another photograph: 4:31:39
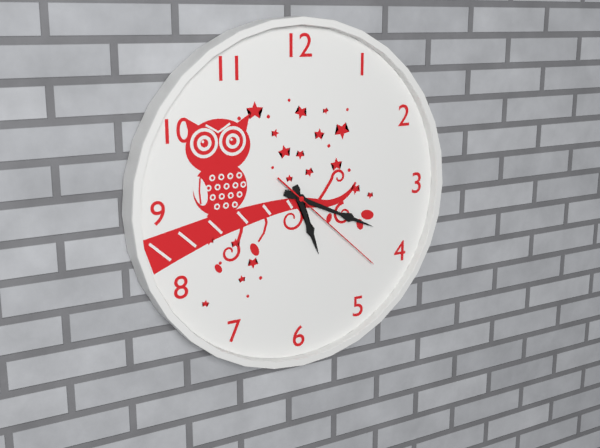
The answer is 5:19:22
